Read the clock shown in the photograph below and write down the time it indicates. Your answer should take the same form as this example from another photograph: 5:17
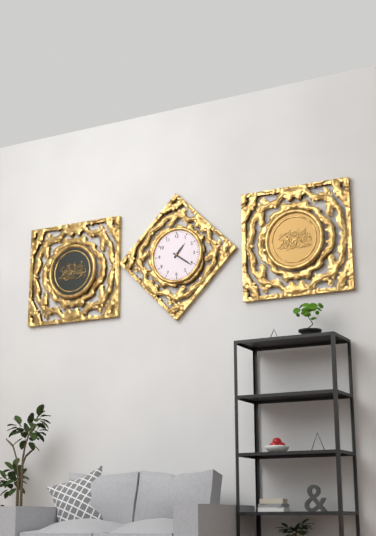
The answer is 1:21
